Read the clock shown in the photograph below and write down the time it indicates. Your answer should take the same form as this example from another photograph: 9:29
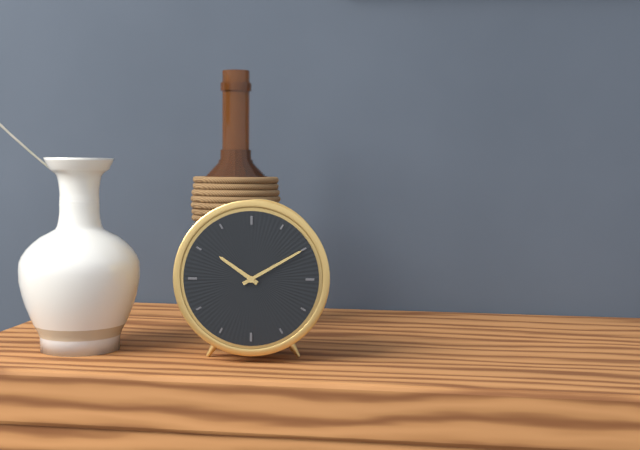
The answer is 10:10
